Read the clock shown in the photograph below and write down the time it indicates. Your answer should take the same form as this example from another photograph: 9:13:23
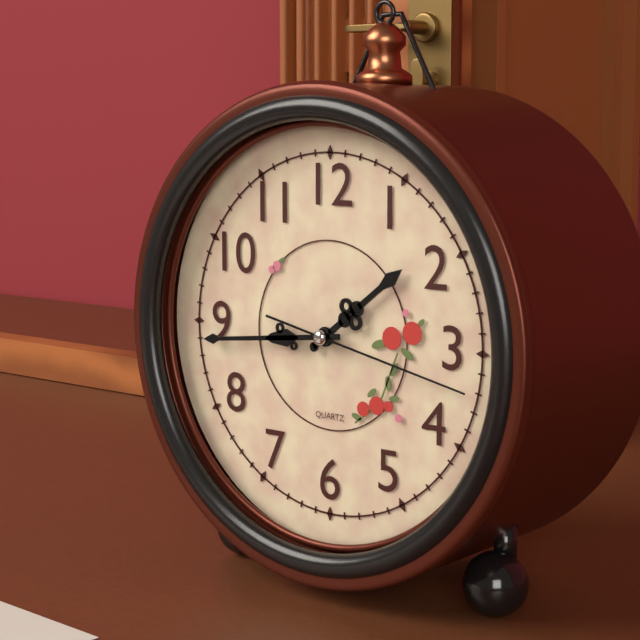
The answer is 1:44:17
